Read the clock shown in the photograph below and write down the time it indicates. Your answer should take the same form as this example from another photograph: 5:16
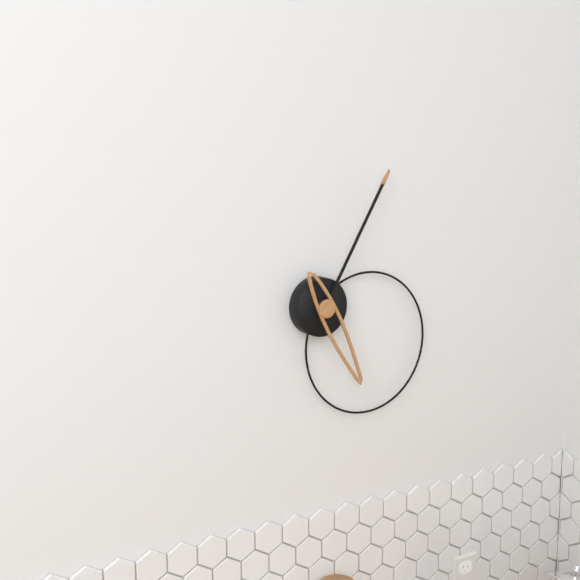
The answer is 5:05
